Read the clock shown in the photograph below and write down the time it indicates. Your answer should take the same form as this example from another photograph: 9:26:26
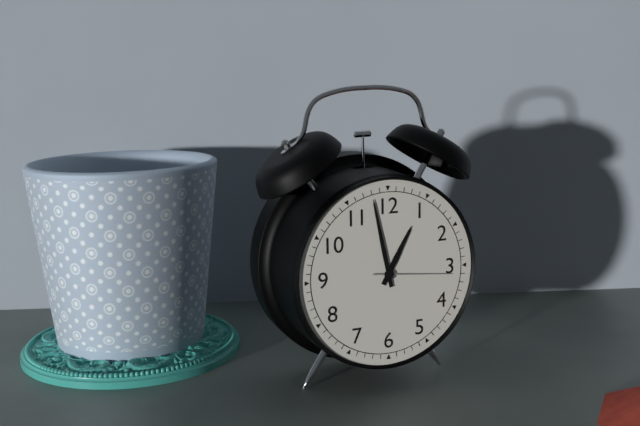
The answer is 12:58:16
